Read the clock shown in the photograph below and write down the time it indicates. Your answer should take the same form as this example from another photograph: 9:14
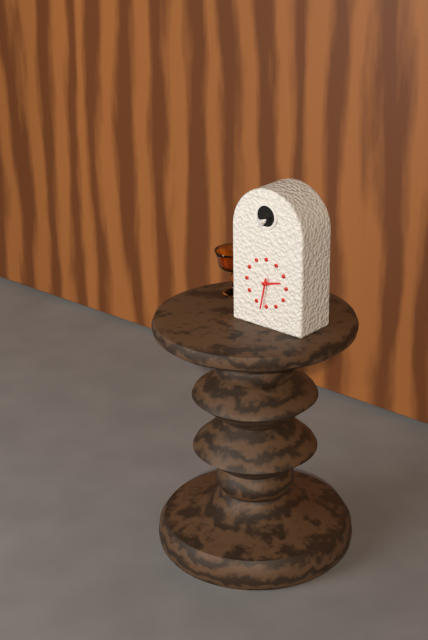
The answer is 2:32
